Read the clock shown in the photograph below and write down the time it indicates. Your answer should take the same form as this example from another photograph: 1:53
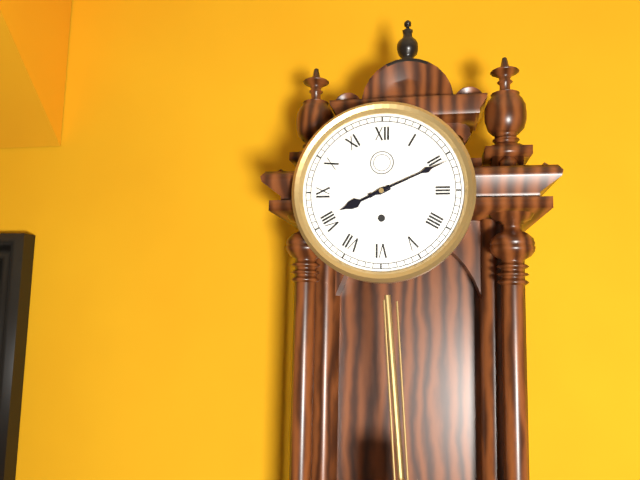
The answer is 8:11
